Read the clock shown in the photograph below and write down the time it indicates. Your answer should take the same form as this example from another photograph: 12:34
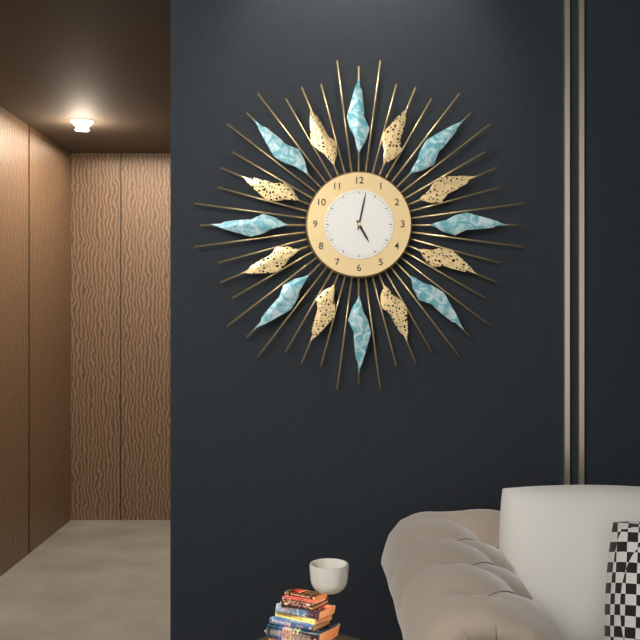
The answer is 5:02
